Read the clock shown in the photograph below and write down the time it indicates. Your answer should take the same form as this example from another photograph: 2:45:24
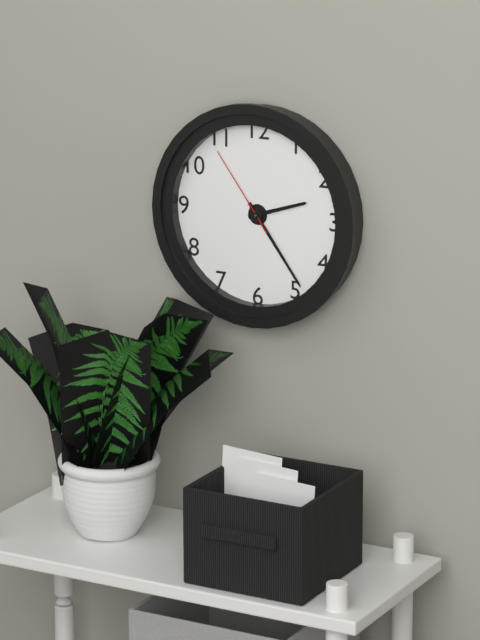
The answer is 2:24:54
